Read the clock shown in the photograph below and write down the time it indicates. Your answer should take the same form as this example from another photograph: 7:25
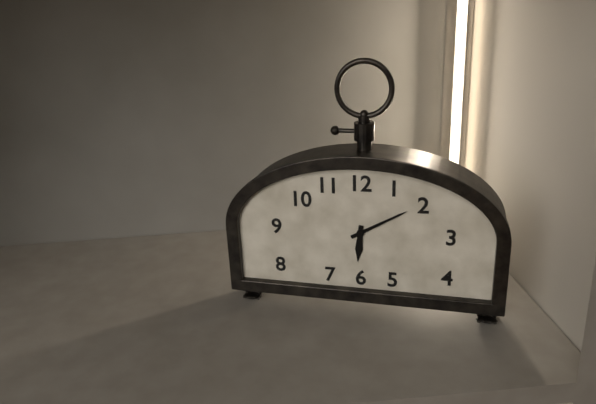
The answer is 6:10
